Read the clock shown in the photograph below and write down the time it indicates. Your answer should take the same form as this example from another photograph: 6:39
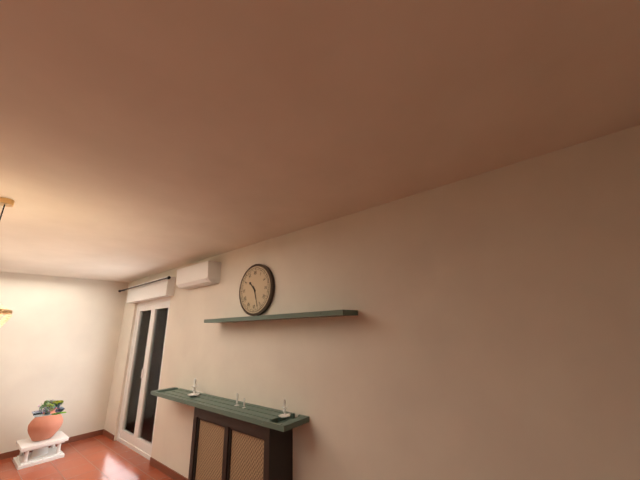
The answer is 10:27
